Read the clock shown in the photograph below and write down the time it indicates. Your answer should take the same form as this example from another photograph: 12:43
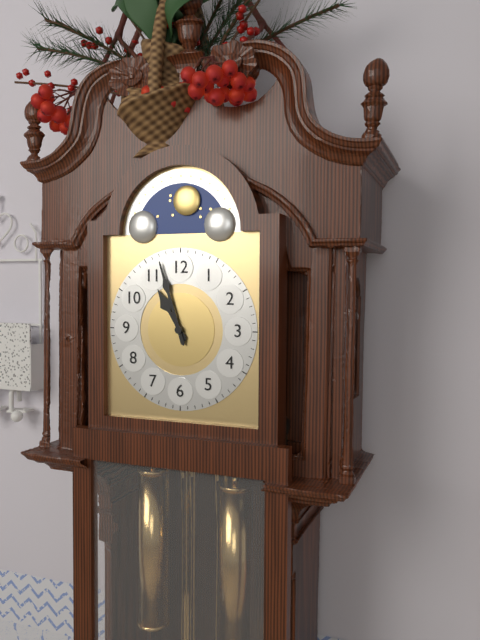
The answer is 10:57
